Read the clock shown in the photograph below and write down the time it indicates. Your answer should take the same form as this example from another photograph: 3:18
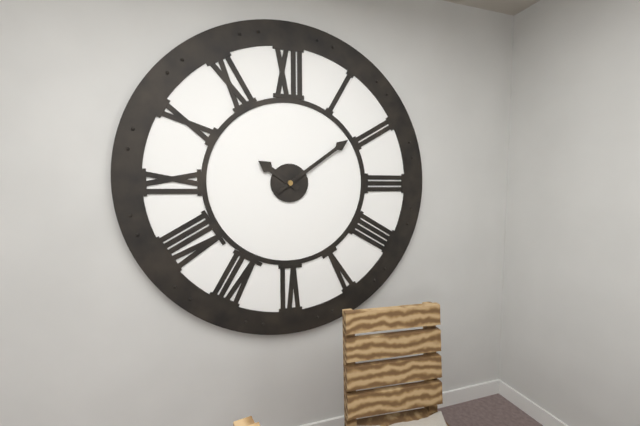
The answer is 10:09
